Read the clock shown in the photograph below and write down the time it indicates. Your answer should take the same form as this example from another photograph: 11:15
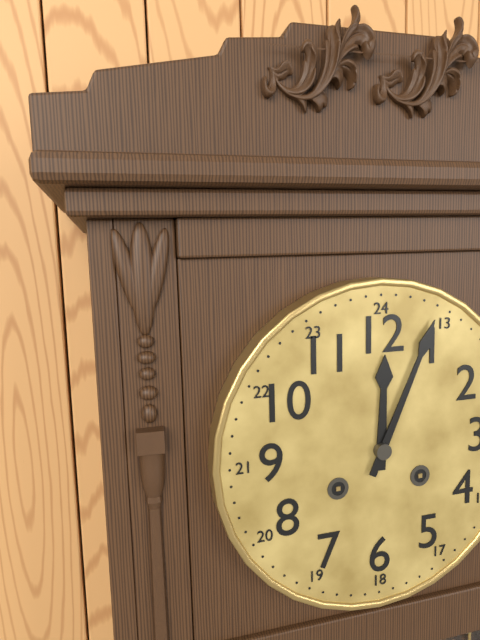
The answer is 12:04
